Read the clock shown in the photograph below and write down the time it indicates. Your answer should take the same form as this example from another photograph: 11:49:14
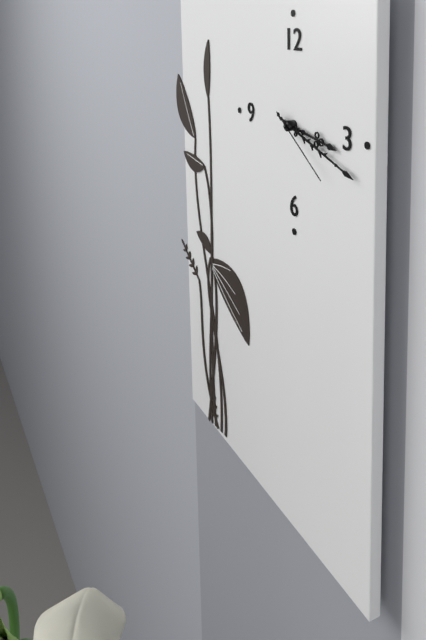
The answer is 3:18:21
